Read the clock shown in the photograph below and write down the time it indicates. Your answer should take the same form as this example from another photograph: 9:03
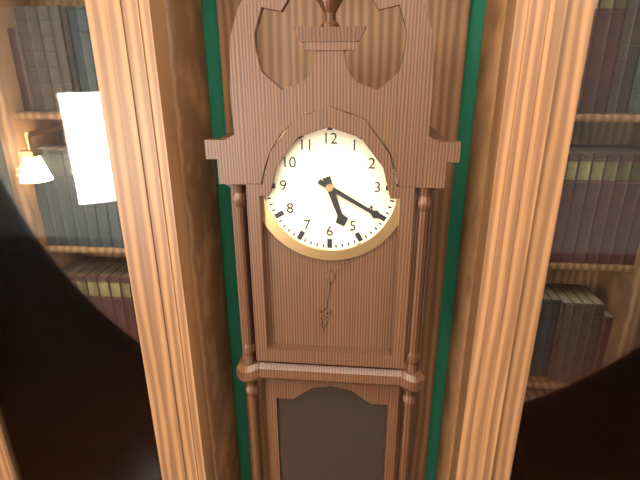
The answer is 5:20
